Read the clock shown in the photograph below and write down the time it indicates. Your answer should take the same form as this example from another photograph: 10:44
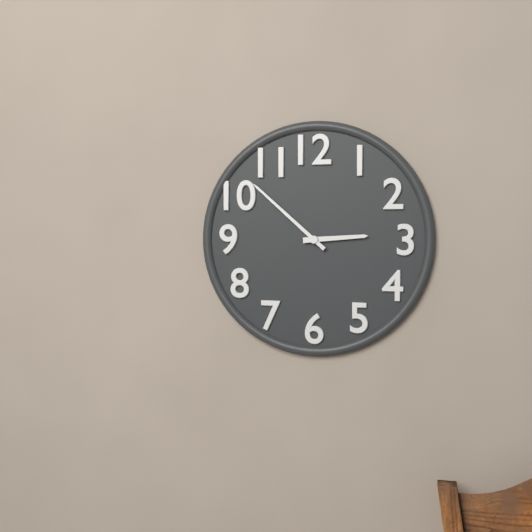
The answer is 2:52
